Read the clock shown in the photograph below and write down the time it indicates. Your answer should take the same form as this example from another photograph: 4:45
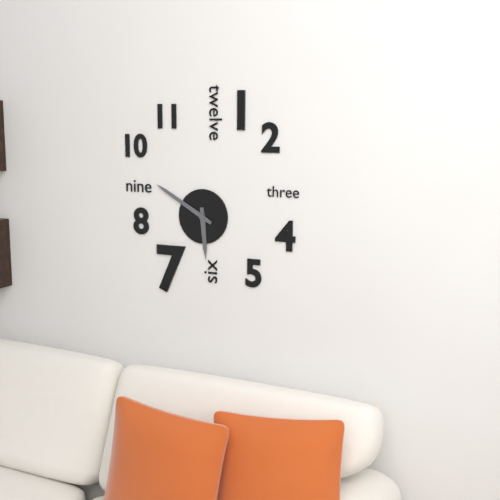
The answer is 5:50
